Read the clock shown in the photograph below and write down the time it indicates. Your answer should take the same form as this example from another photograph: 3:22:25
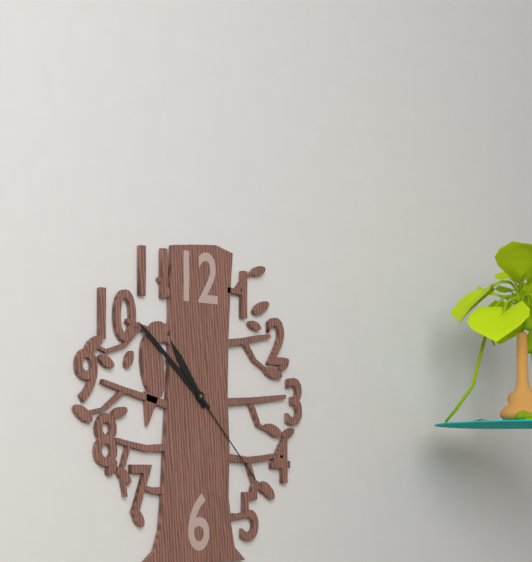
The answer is 10:52:23
